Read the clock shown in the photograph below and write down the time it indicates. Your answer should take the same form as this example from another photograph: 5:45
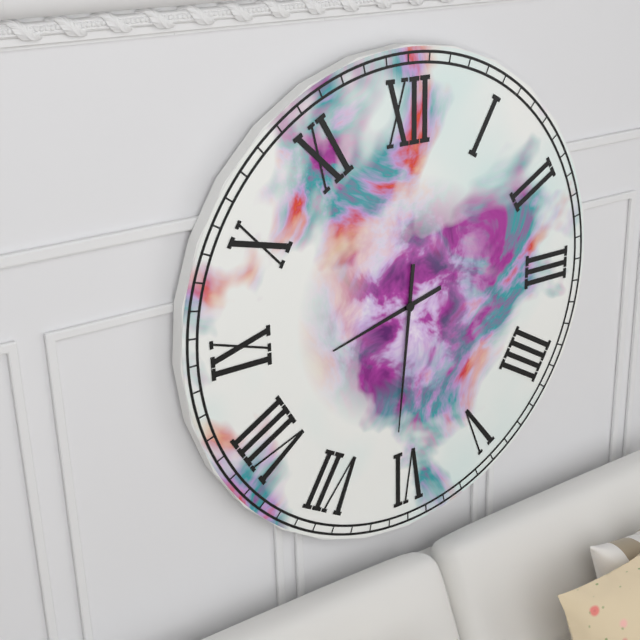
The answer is 8:31
